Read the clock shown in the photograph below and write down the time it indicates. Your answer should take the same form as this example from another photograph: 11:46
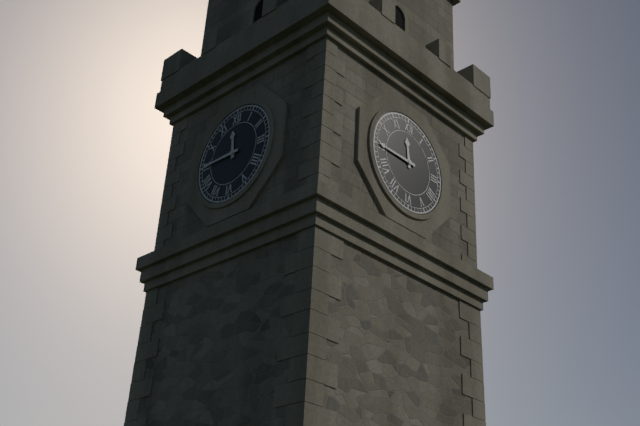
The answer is 11:45
